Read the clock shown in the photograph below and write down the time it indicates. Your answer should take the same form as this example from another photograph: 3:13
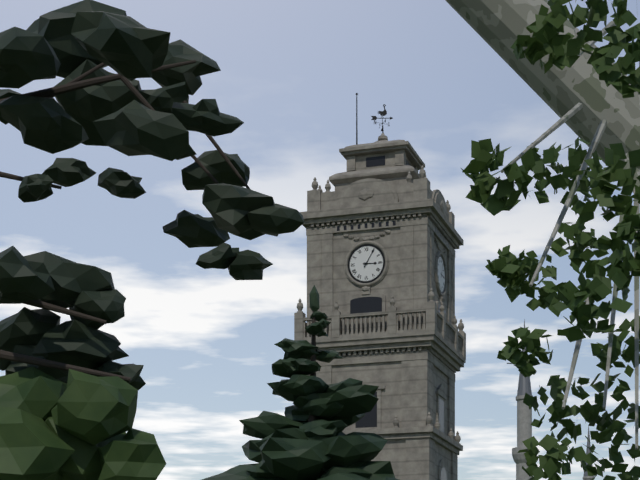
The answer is 3:05
